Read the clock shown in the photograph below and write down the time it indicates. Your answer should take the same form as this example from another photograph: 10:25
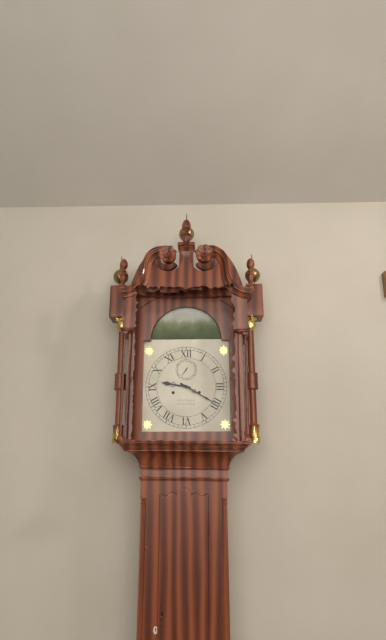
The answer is 9:20
